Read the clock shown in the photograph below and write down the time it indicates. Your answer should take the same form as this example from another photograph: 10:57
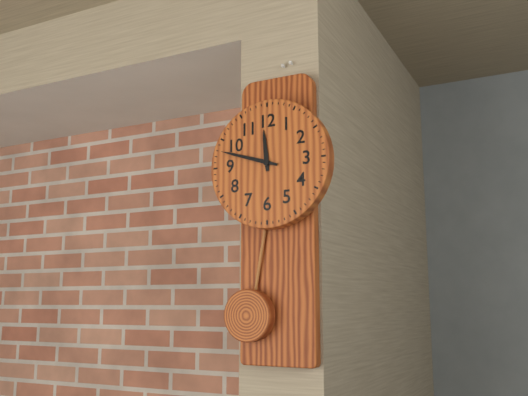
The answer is 11:48
